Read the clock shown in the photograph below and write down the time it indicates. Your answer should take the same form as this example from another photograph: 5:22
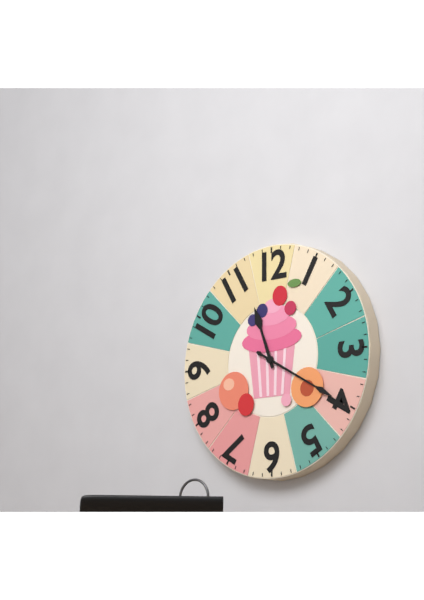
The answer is 11:20
